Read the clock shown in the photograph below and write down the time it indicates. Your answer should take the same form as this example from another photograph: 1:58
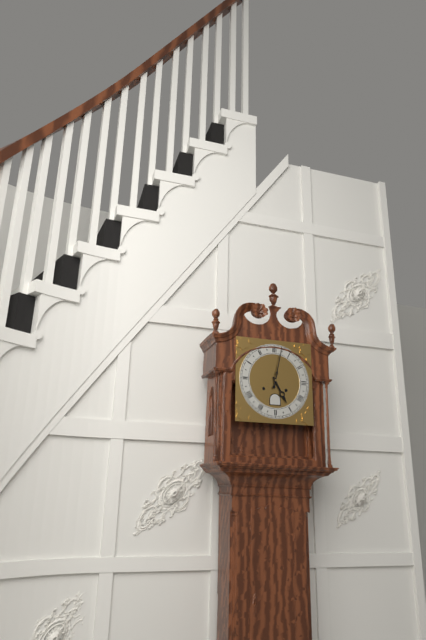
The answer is 5:02
